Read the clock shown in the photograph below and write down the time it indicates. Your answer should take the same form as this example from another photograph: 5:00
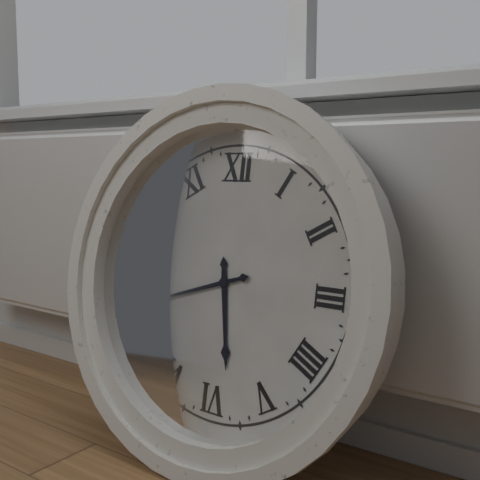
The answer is 5:42
